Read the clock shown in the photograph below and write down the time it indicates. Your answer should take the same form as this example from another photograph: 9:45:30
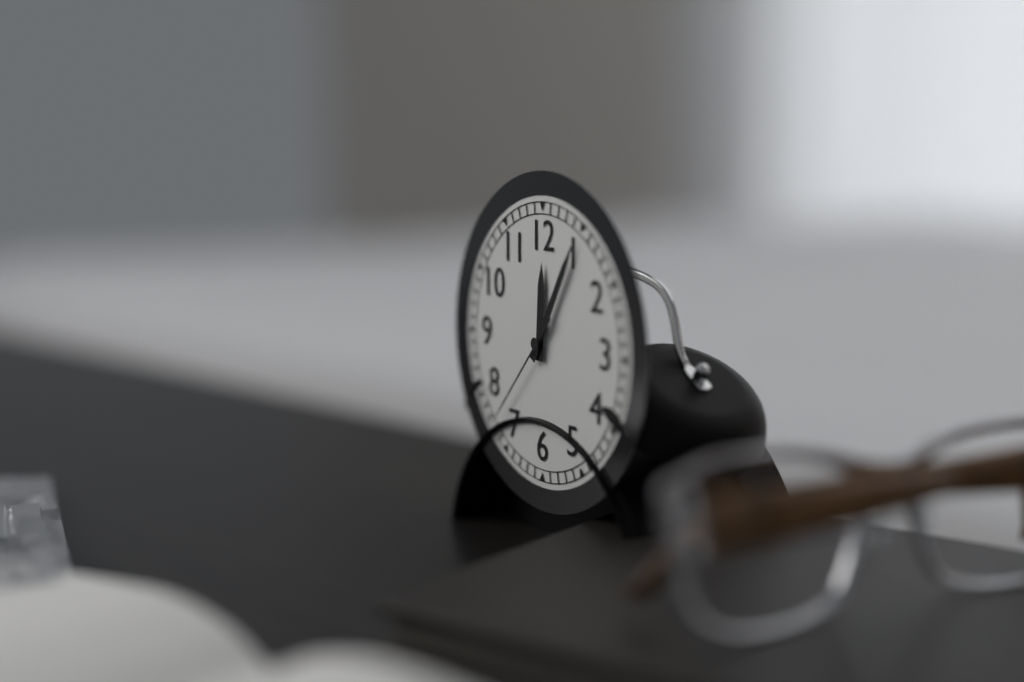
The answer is 12:05:37
